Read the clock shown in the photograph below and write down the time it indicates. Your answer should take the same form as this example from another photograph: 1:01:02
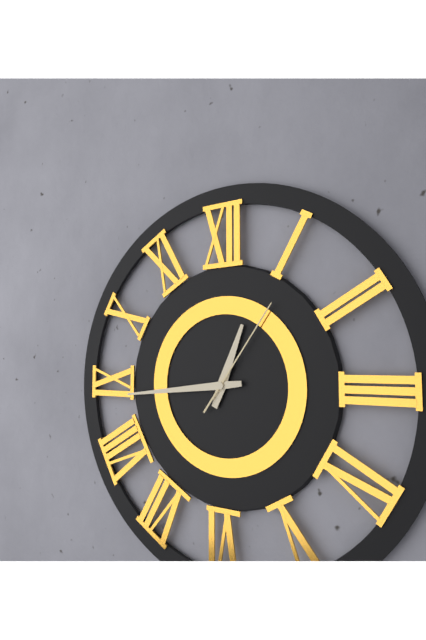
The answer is 12:44:06
